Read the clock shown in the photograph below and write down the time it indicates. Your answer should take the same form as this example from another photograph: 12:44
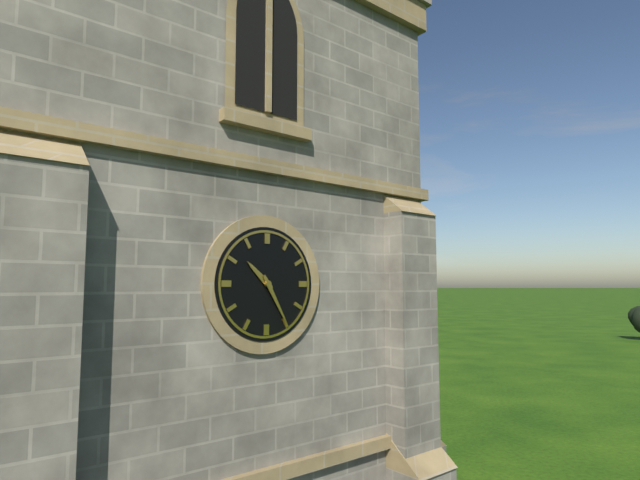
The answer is 10:25
